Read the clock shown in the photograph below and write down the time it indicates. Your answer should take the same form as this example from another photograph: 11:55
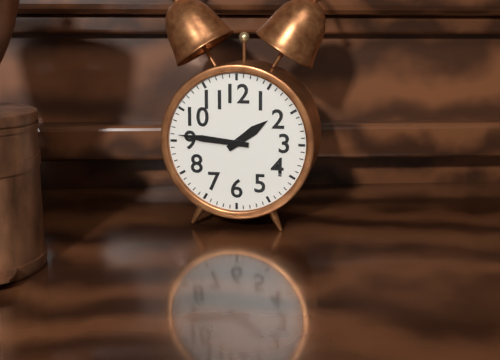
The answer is 1:46
